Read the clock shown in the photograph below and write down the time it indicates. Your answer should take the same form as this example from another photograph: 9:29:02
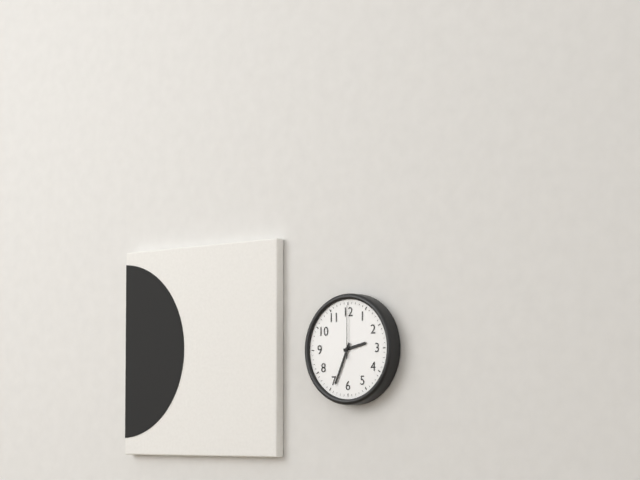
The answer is 2:34:00
